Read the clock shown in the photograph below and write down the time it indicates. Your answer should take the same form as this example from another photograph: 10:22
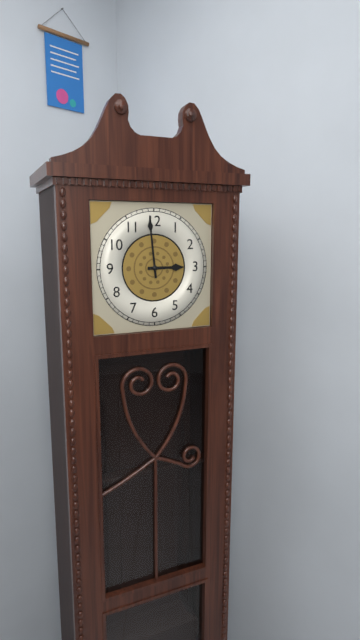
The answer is 2:59
